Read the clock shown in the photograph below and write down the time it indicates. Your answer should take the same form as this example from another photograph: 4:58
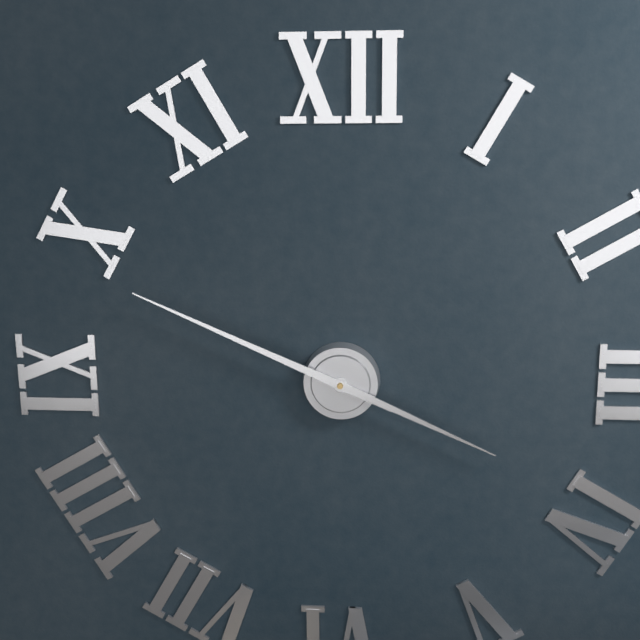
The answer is 3:49
